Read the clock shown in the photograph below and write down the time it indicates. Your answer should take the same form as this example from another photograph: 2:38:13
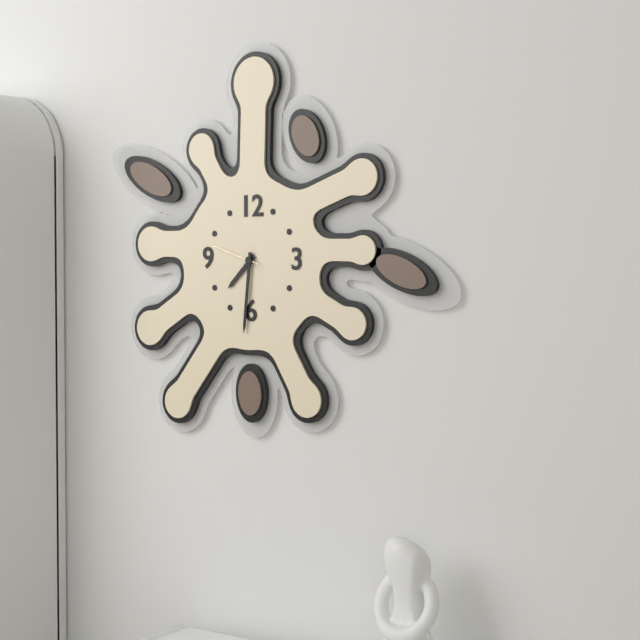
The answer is 7:31:48
